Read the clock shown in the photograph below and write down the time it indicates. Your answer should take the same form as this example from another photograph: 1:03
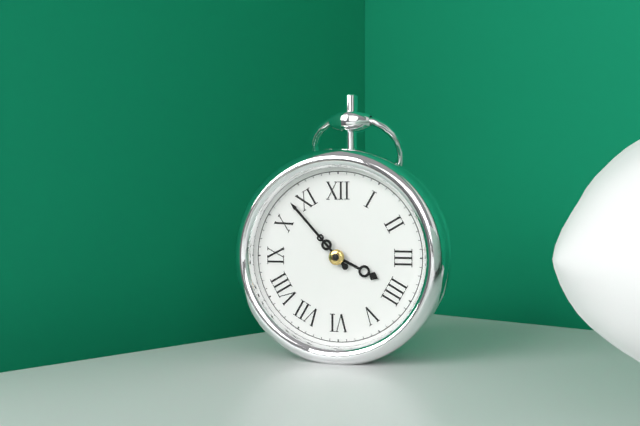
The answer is 3:53
